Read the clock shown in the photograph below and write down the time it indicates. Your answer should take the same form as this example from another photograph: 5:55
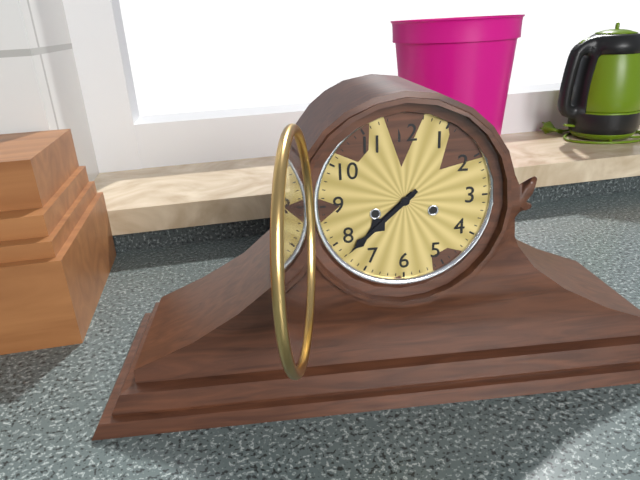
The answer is 7:38
